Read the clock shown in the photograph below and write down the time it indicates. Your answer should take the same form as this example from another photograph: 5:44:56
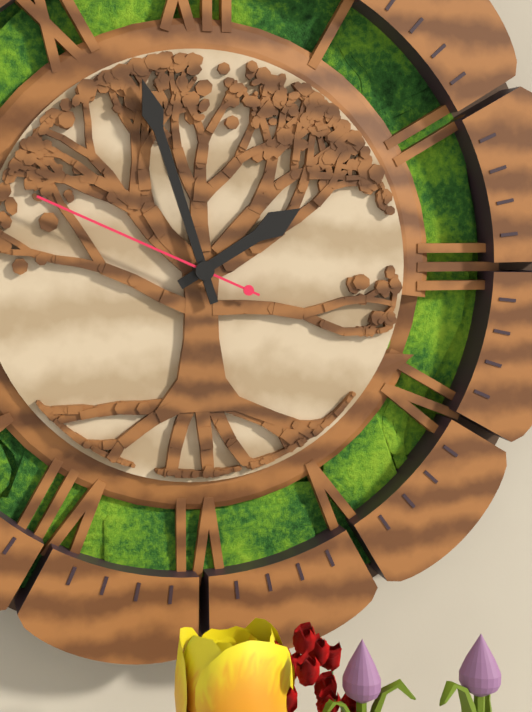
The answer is 1:57:49
